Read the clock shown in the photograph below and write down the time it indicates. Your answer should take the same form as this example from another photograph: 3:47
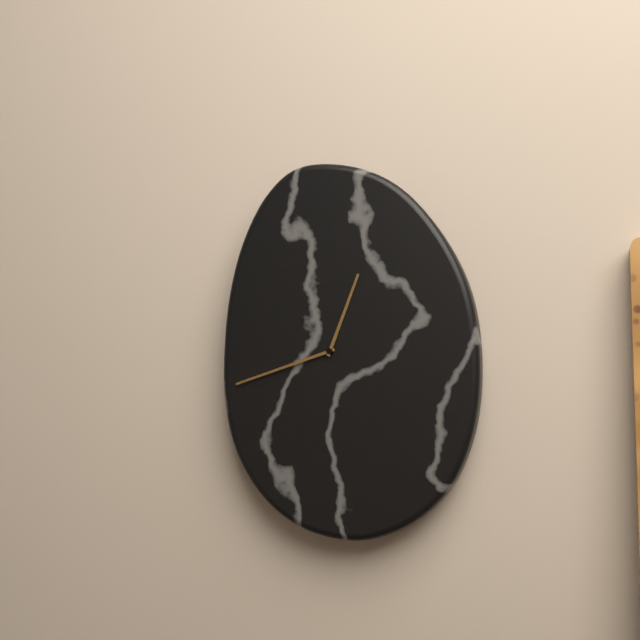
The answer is 12:42
